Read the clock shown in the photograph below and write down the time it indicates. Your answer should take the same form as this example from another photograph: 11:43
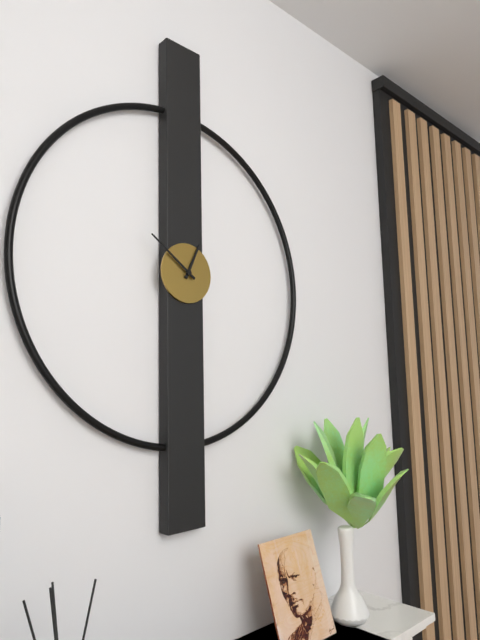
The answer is 12:51
